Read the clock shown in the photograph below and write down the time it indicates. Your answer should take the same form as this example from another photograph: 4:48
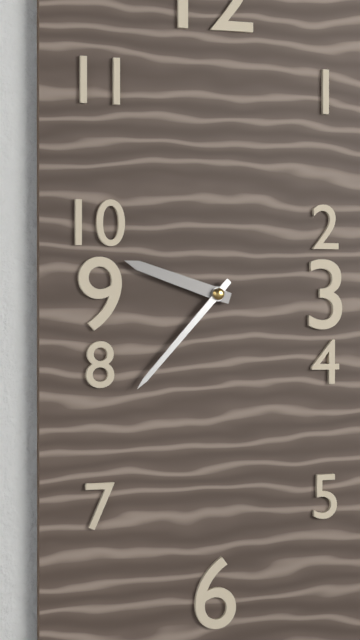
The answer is 9:37
